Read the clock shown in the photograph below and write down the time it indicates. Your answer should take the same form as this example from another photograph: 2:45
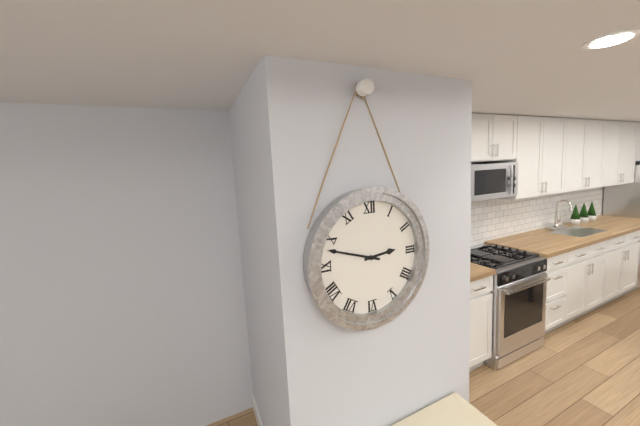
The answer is 2:48
